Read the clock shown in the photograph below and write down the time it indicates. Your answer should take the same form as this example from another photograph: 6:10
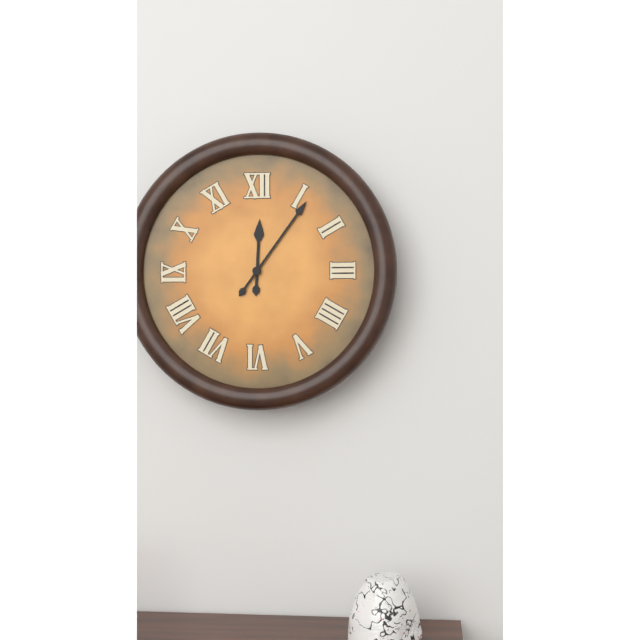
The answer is 12:06
